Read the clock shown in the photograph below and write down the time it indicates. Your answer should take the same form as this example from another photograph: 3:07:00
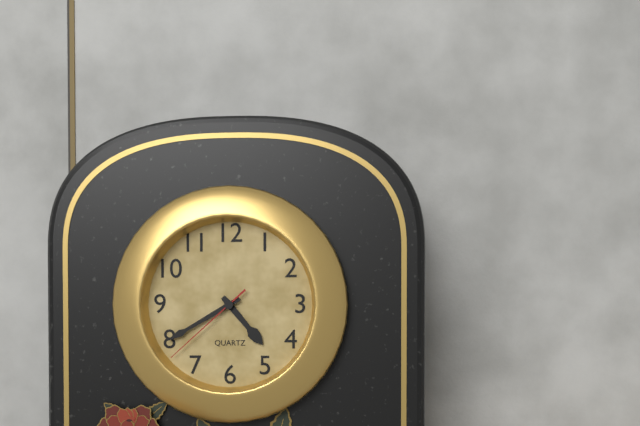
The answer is 4:40:38
